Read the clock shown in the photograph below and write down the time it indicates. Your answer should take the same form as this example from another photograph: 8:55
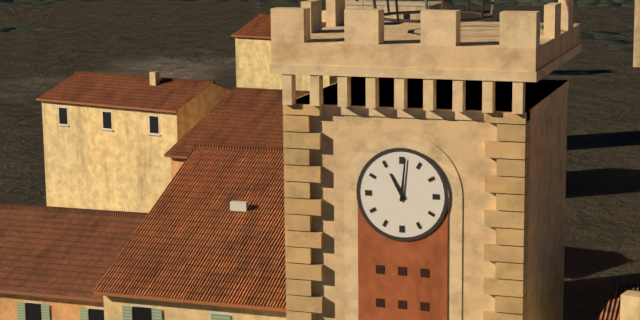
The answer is 11:01
